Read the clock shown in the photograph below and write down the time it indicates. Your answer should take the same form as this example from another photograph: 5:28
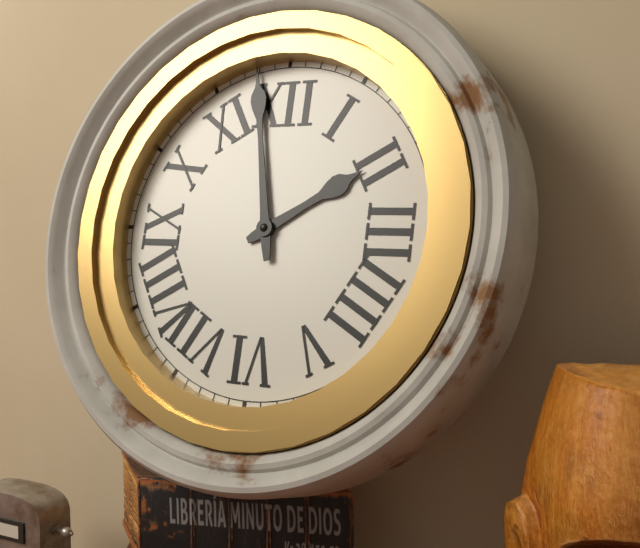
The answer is 1:58
